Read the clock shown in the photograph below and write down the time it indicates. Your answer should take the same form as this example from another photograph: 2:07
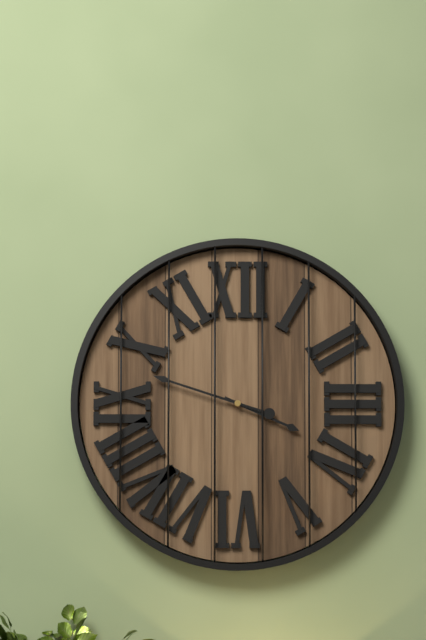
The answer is 3:48
